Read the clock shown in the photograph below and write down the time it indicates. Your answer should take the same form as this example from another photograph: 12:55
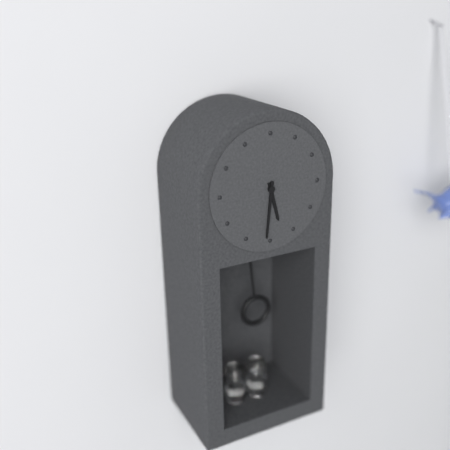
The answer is 5:31
